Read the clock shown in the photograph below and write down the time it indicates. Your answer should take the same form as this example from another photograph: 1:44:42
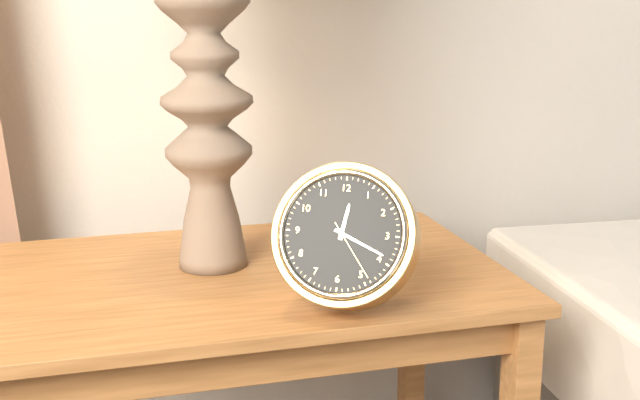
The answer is 12:19:24
